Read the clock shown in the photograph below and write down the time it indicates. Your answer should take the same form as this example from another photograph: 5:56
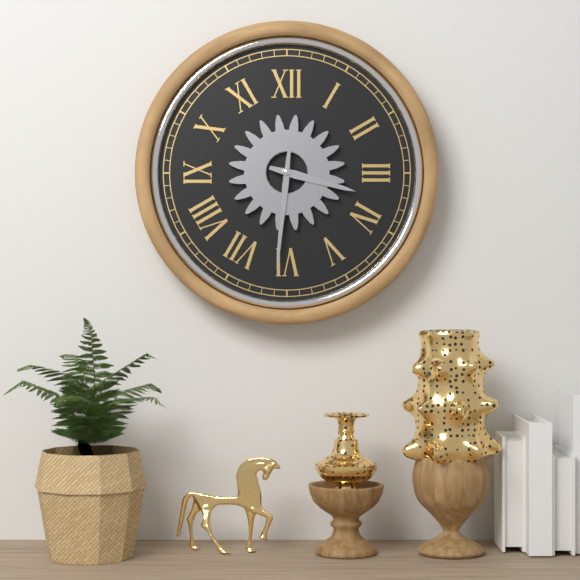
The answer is 3:31
